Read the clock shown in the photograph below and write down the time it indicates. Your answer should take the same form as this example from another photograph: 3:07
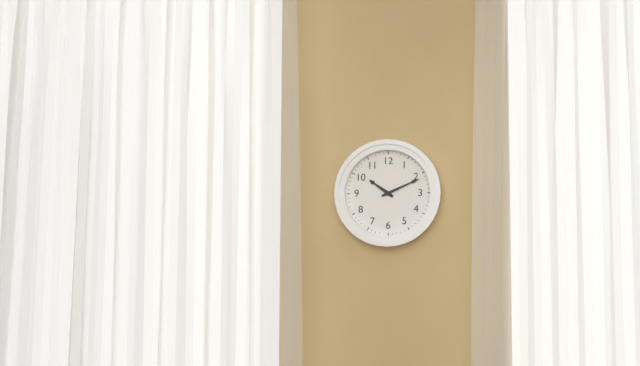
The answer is 10:11
